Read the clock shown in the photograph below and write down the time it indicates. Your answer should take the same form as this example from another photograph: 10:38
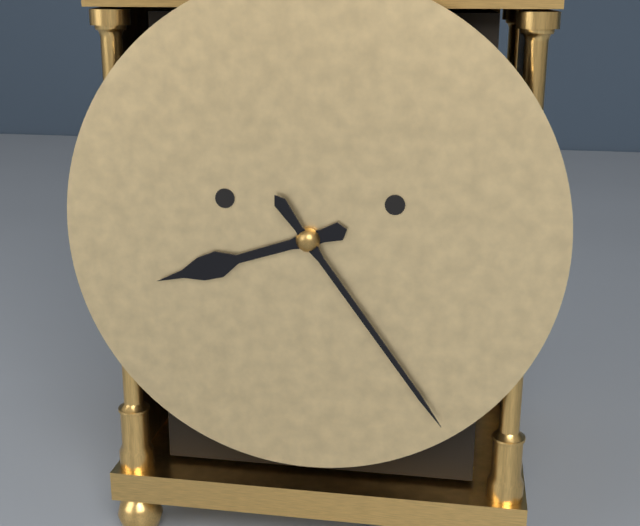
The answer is 8:24
